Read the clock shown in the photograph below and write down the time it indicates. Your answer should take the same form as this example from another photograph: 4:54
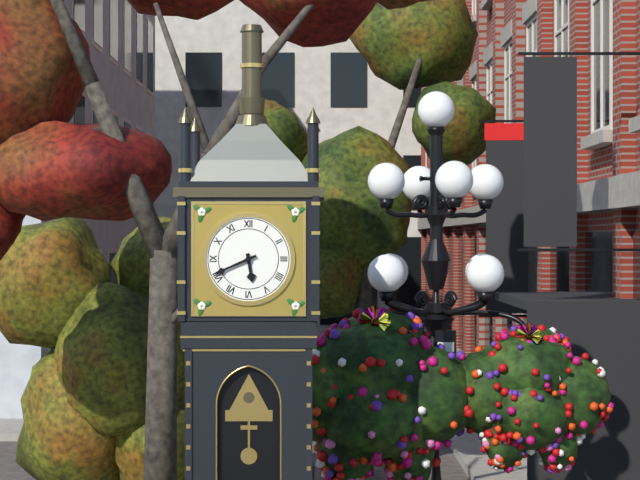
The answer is 5:41
